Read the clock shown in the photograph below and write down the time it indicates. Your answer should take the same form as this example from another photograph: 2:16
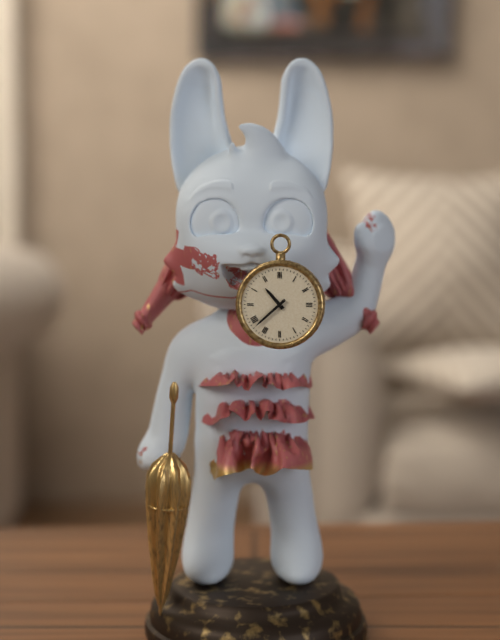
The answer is 10:38
